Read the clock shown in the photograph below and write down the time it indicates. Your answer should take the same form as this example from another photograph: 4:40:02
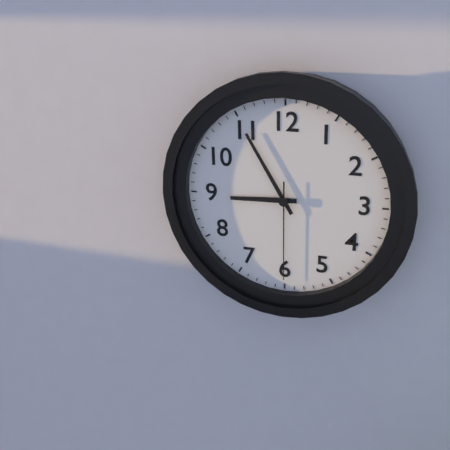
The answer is 8:55:30
